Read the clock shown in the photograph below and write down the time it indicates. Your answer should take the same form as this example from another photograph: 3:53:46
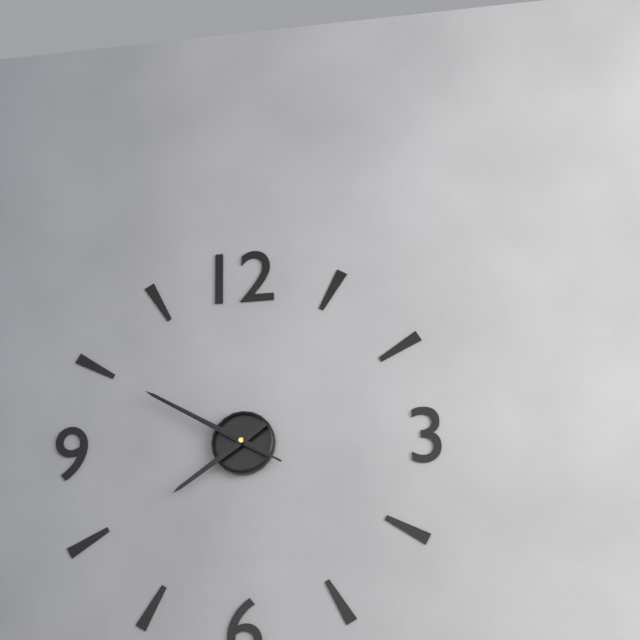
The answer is 7:50:50
